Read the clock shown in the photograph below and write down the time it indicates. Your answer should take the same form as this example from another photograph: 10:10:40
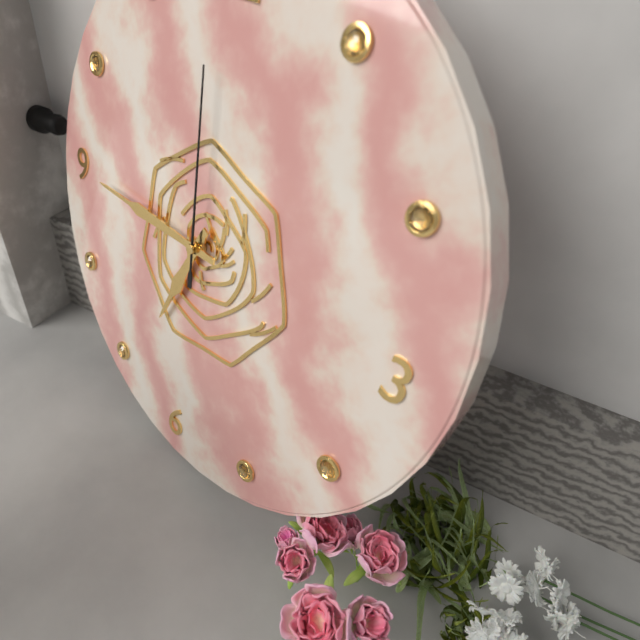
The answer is 6:45:59
